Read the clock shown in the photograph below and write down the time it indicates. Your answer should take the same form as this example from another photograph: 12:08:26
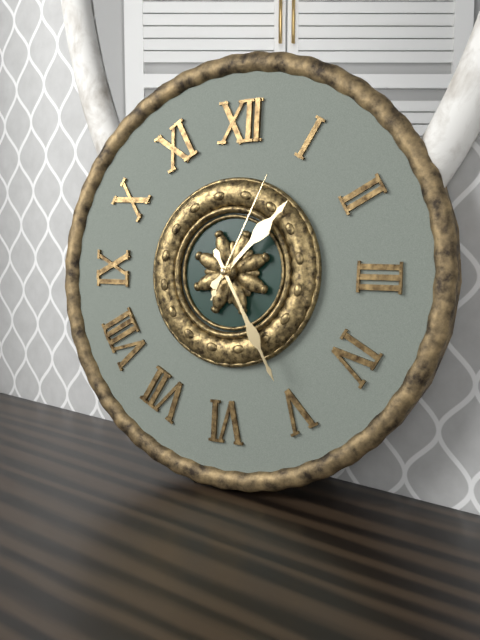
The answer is 1:25:04
